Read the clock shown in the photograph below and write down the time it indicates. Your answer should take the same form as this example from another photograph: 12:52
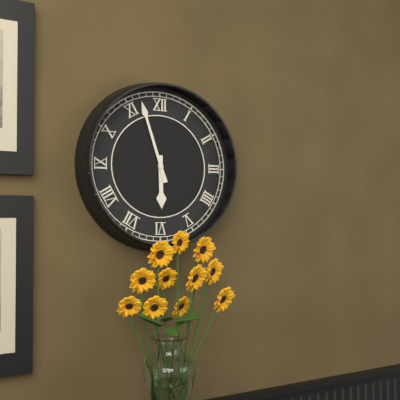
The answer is 5:57
